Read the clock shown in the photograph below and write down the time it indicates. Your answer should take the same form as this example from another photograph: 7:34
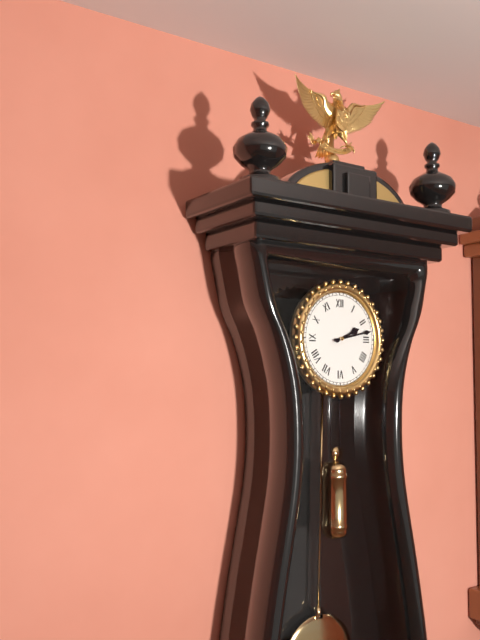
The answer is 2:13
